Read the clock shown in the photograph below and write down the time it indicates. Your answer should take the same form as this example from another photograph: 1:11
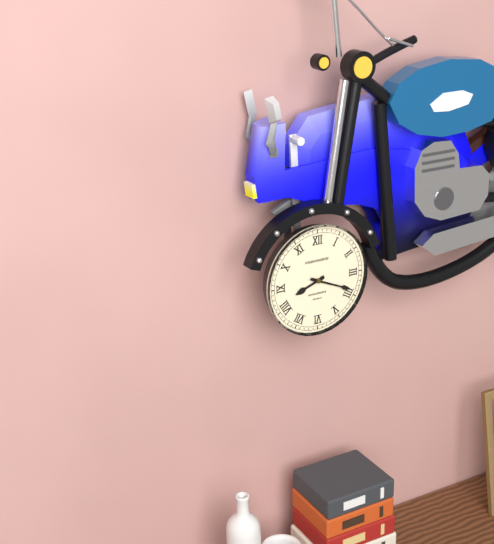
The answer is 8:19
